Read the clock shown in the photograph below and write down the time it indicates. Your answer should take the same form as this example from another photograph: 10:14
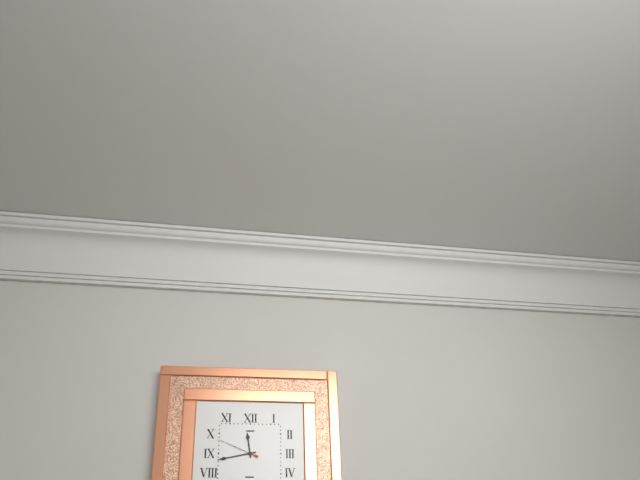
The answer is 11:43
